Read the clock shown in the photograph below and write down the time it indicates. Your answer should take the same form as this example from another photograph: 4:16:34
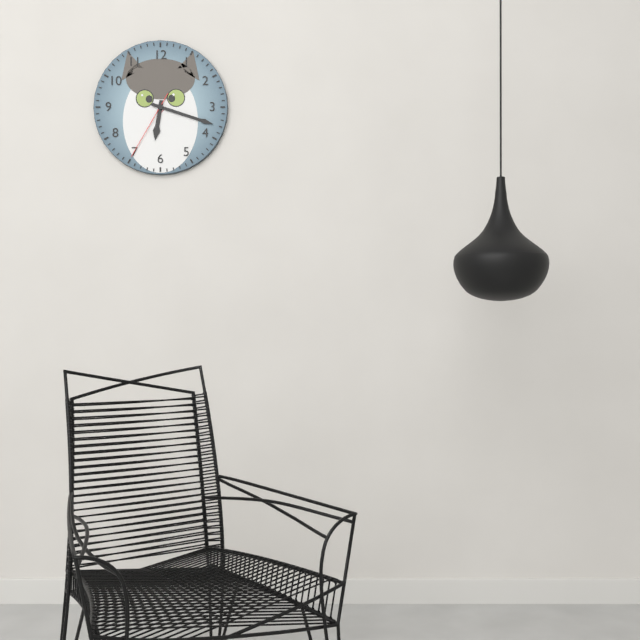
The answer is 6:18:35
